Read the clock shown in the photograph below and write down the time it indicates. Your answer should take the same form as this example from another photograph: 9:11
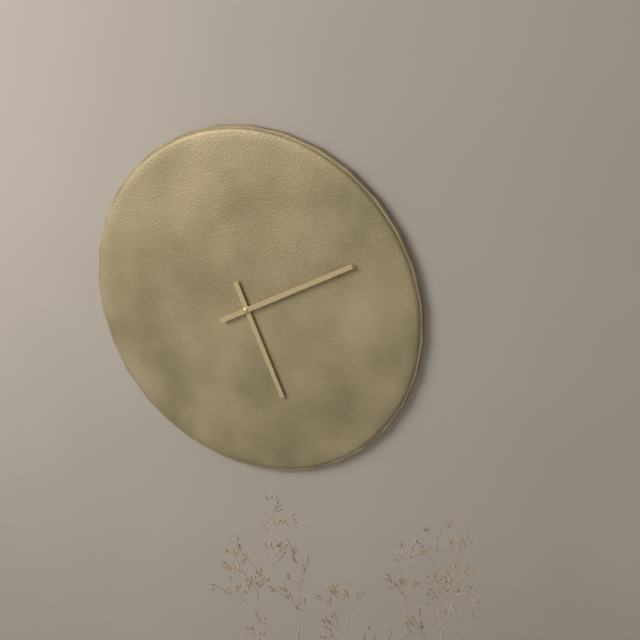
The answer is 5:10
